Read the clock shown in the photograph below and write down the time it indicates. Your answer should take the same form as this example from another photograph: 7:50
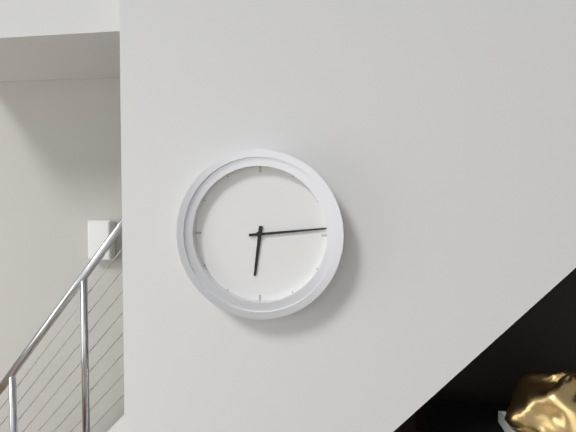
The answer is 6:14
